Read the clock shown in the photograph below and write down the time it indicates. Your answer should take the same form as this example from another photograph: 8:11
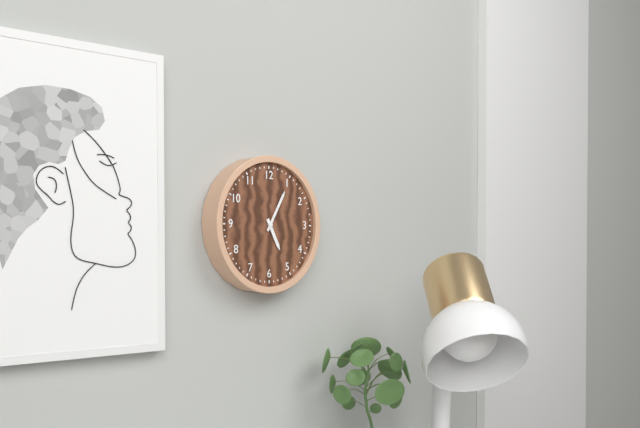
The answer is 5:05
